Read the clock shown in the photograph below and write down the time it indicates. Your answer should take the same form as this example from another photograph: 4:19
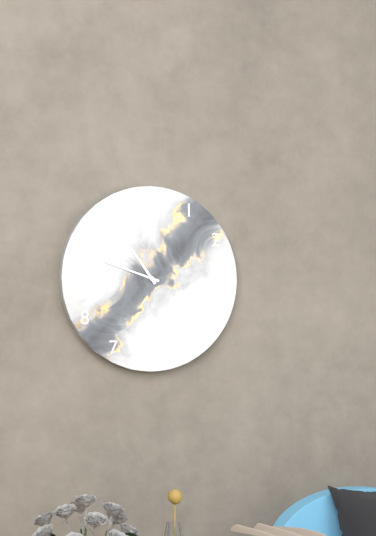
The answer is 10:48
